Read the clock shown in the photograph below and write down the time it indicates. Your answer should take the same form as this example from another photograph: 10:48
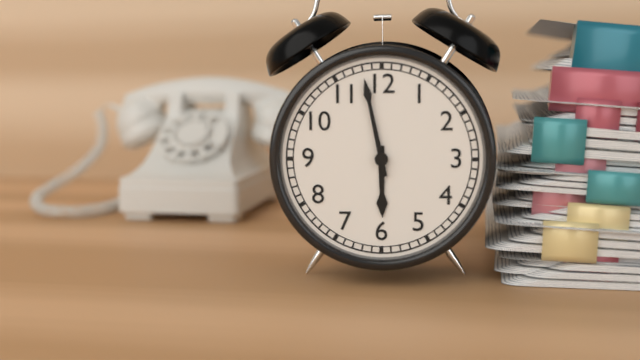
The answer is 5:58
